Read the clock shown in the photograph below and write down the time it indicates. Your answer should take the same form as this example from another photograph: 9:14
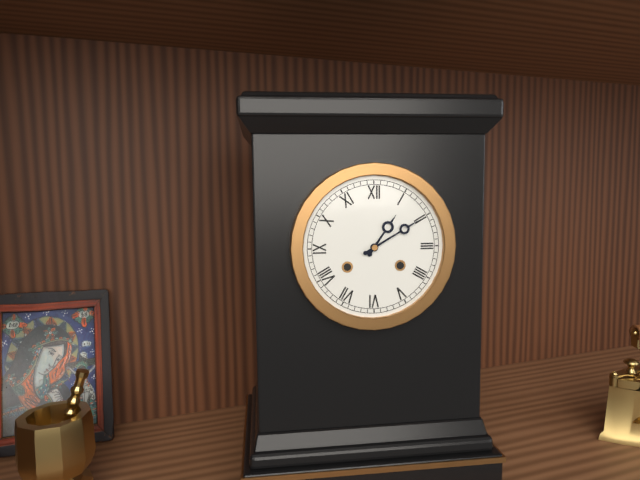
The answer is 1:10
